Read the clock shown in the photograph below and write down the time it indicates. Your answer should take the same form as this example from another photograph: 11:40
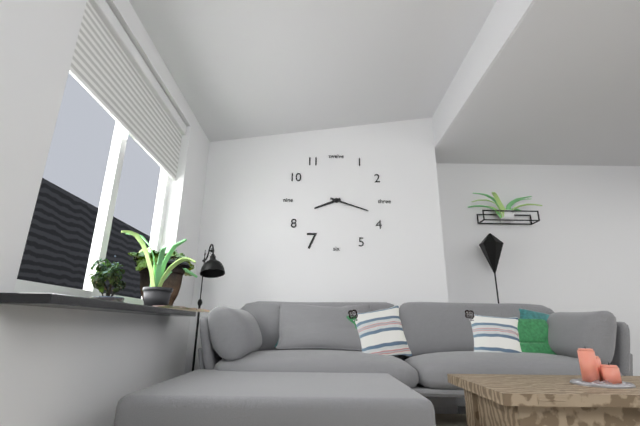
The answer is 8:18
